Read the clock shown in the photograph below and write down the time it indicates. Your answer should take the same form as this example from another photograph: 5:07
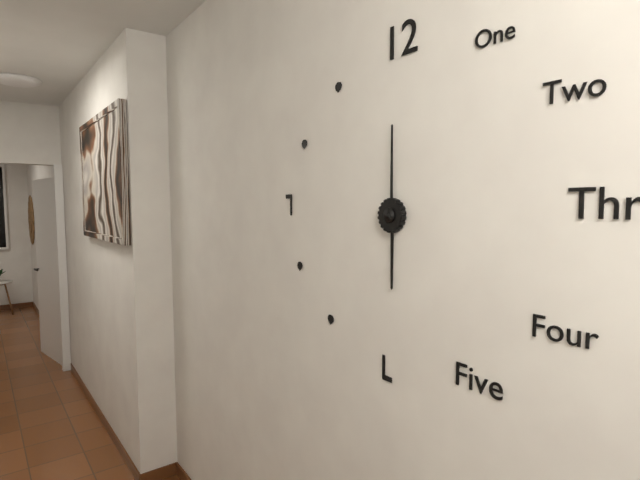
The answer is 6:00
